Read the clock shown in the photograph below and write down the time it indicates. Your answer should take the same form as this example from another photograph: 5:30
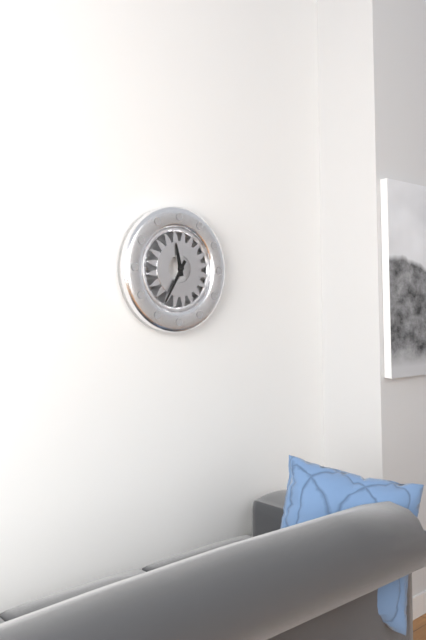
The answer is 11:35
